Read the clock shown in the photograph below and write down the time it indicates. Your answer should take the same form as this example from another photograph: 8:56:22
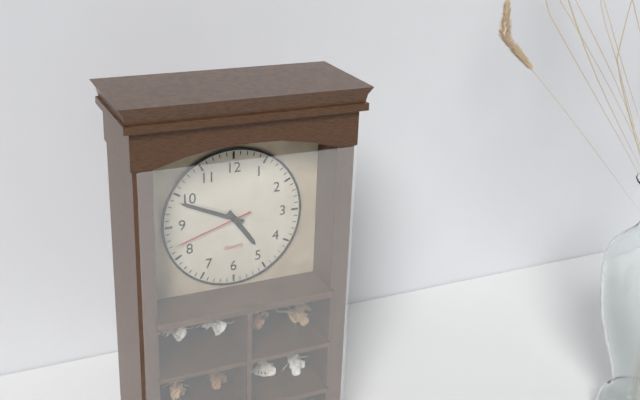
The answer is 4:49:42
